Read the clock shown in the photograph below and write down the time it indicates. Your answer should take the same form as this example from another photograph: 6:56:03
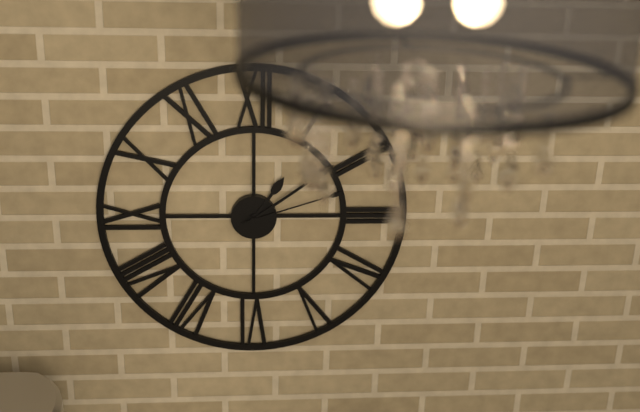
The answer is 1:09:12
